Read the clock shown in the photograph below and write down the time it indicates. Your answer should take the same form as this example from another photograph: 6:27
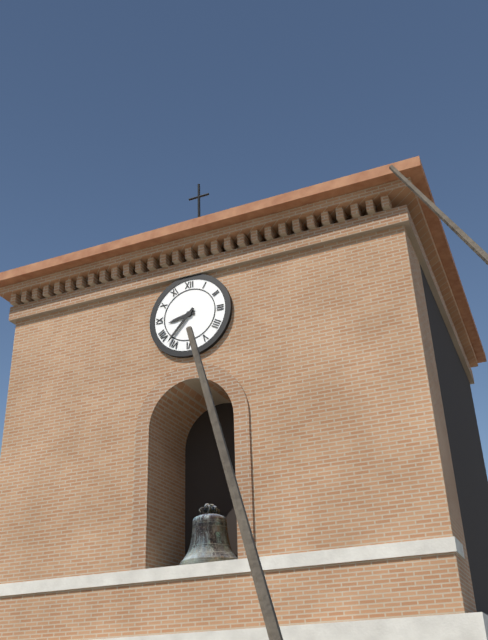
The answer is 8:37
